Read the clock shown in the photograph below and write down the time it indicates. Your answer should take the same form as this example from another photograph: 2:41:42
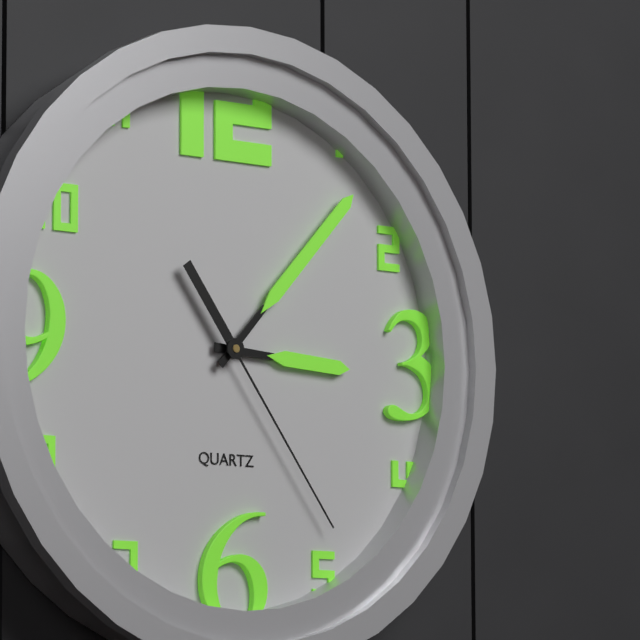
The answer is 3:07:24
